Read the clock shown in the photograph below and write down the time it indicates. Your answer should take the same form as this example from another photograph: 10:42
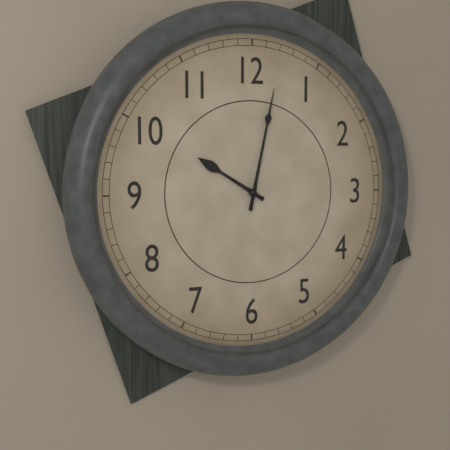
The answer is 10:02
